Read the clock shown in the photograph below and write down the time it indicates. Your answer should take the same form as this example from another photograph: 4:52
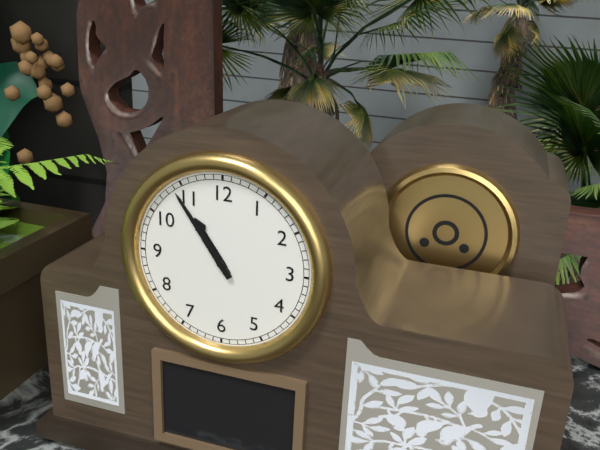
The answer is 10:54
